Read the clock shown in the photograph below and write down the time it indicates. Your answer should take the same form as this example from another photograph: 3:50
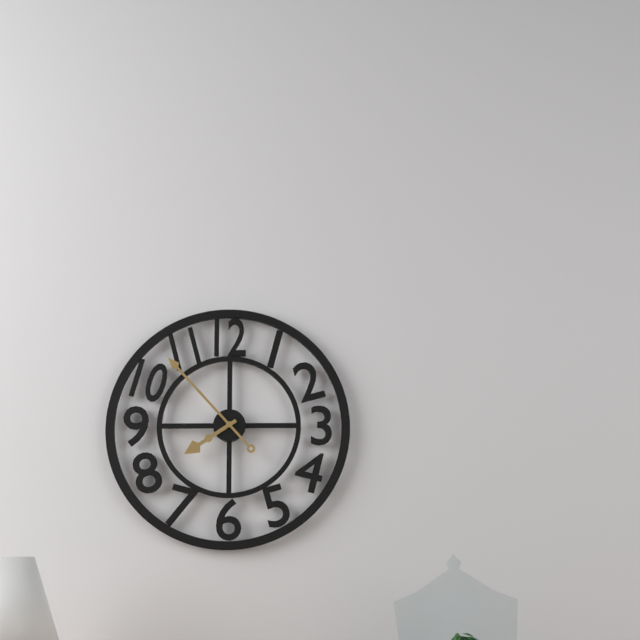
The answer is 7:53
